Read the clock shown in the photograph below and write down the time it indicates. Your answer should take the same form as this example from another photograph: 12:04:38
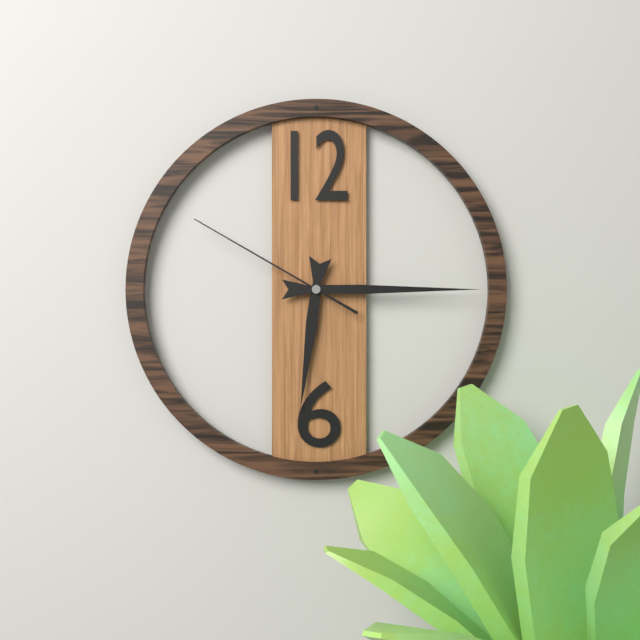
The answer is 6:15:50
